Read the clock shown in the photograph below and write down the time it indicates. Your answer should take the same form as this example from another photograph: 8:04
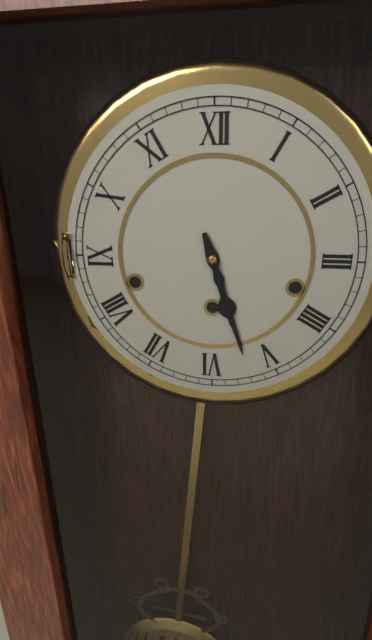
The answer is 5:27
